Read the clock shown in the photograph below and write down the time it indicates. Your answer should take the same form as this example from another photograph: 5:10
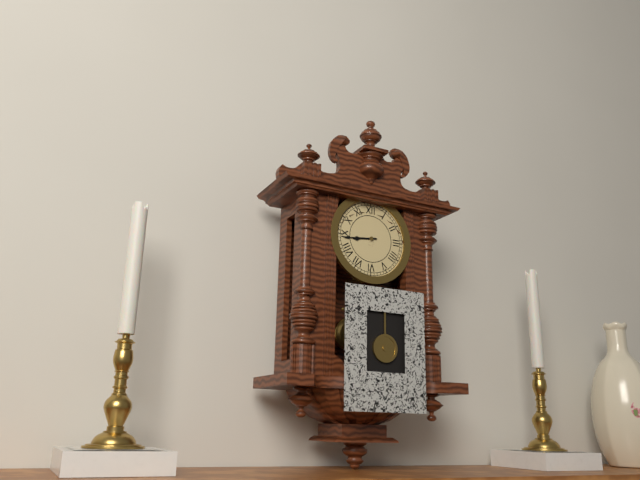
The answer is 8:44
